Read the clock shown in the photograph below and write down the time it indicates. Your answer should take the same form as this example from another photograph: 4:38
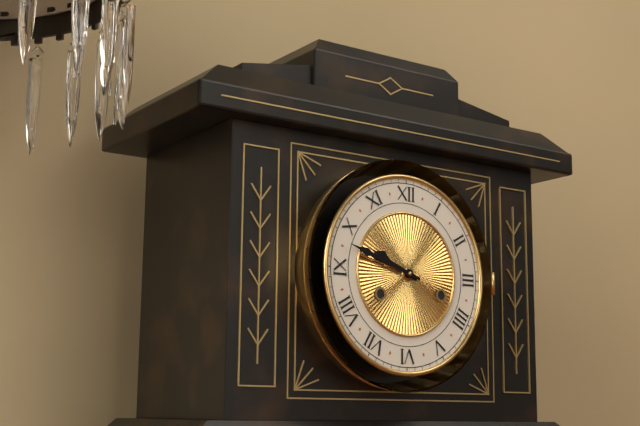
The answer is 9:48
